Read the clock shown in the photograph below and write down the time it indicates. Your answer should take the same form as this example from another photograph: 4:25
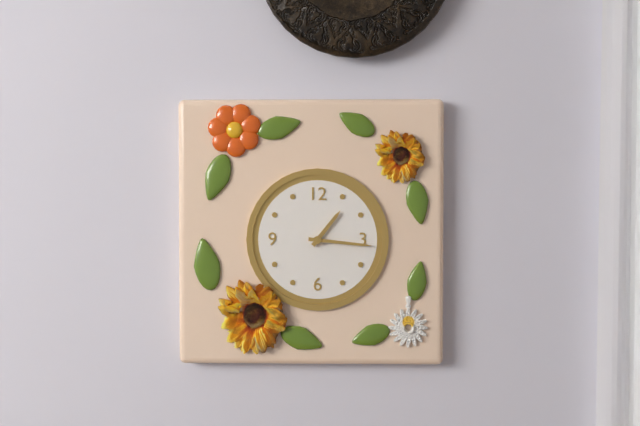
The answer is 1:16
